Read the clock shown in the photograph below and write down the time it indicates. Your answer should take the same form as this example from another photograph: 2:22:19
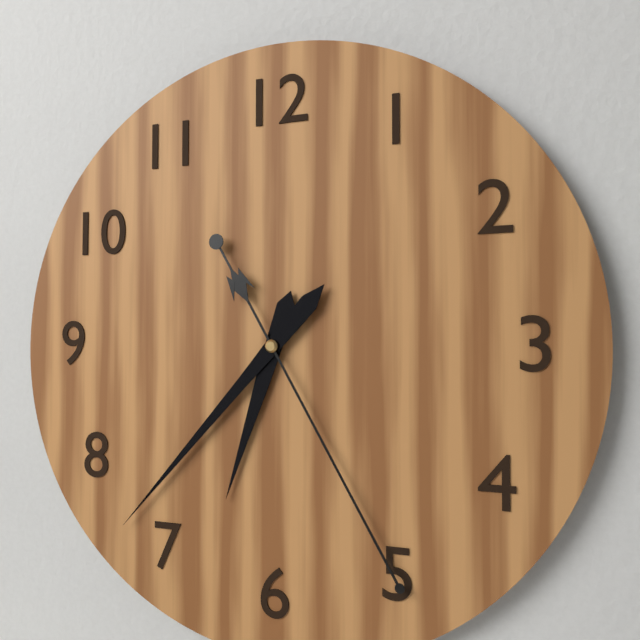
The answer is 6:37:25
